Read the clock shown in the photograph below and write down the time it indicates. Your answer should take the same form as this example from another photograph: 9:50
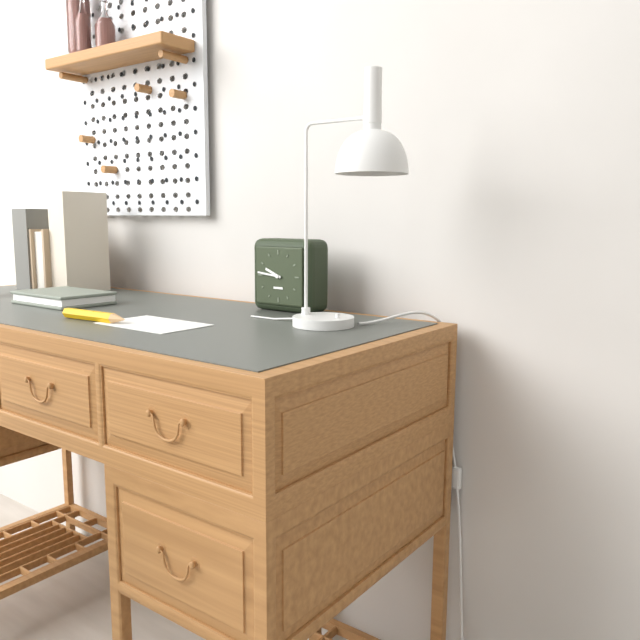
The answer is 9:46
